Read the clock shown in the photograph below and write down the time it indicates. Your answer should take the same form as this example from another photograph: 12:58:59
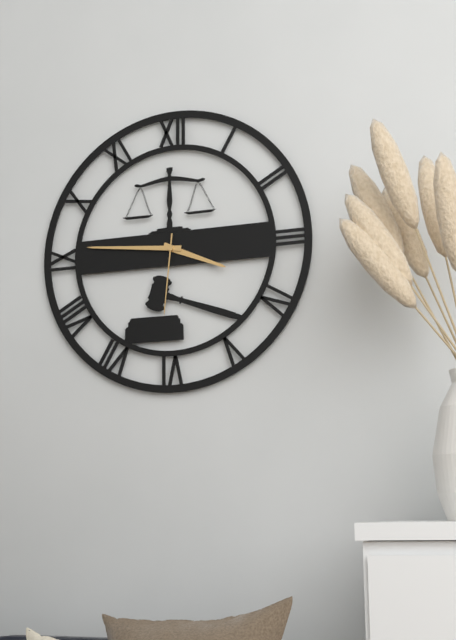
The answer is 3:46:31
